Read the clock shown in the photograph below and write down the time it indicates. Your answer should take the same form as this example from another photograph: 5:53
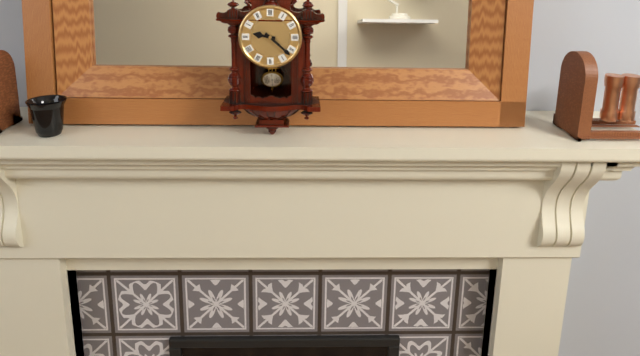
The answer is 9:22
